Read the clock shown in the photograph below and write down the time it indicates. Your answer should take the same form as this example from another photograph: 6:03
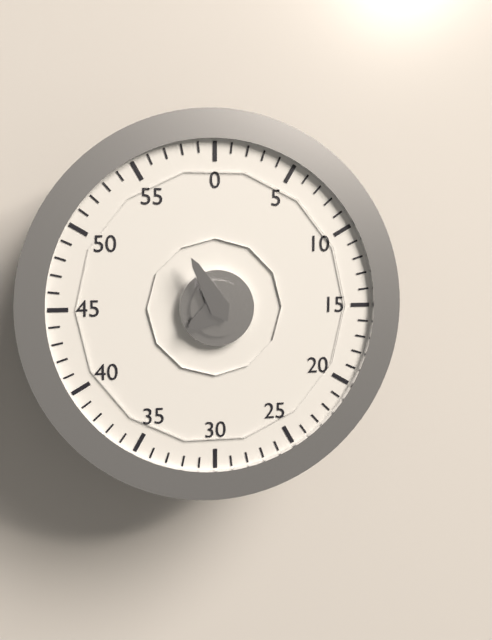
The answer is 7:55
